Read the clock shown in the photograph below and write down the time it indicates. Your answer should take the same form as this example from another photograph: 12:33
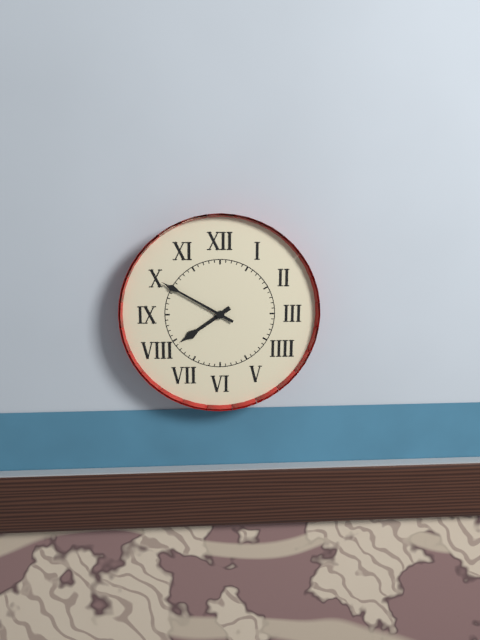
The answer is 7:50
